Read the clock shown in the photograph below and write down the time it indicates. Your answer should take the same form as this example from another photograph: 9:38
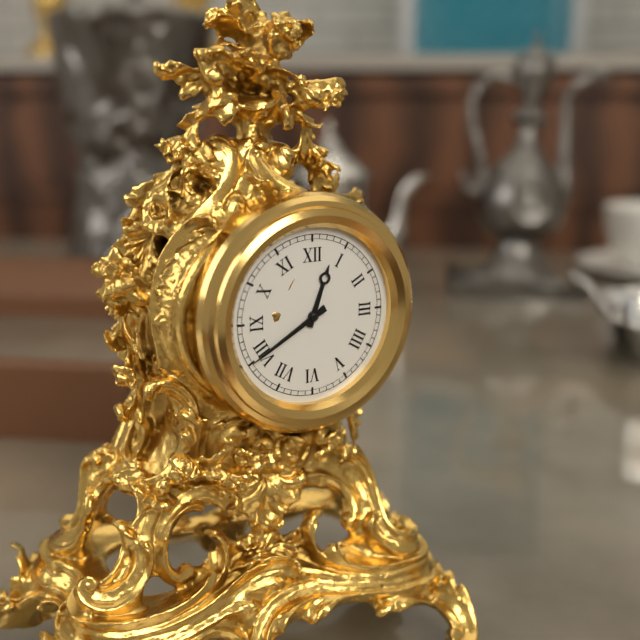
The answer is 12:40
